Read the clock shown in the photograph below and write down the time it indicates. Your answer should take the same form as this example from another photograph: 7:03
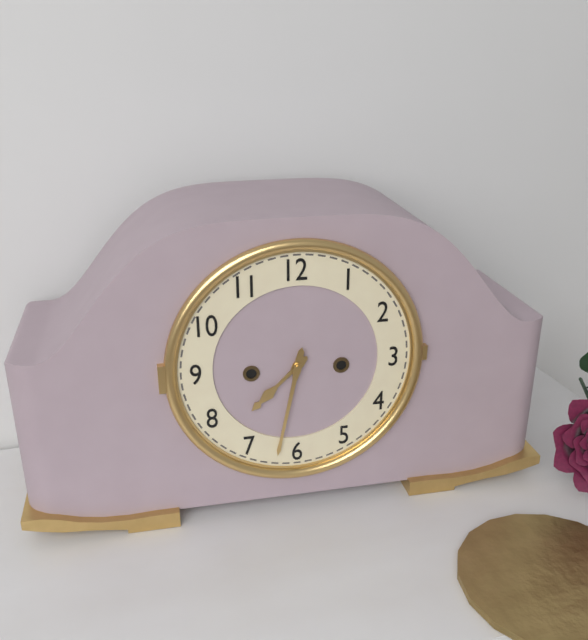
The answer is 7:32
